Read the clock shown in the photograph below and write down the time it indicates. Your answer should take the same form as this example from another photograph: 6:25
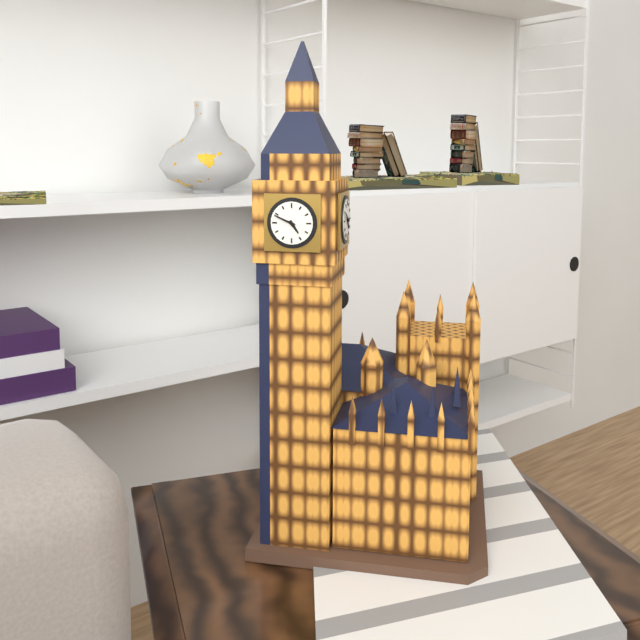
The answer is 4:49
